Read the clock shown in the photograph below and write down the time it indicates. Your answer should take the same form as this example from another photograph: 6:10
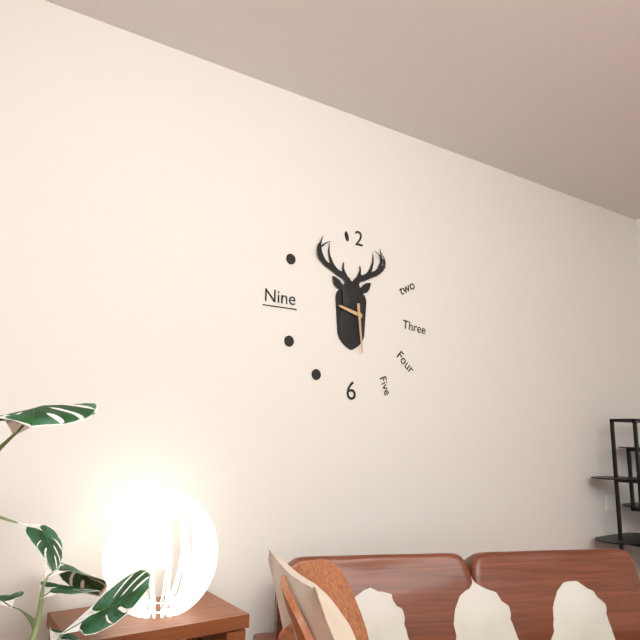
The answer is 9:29
